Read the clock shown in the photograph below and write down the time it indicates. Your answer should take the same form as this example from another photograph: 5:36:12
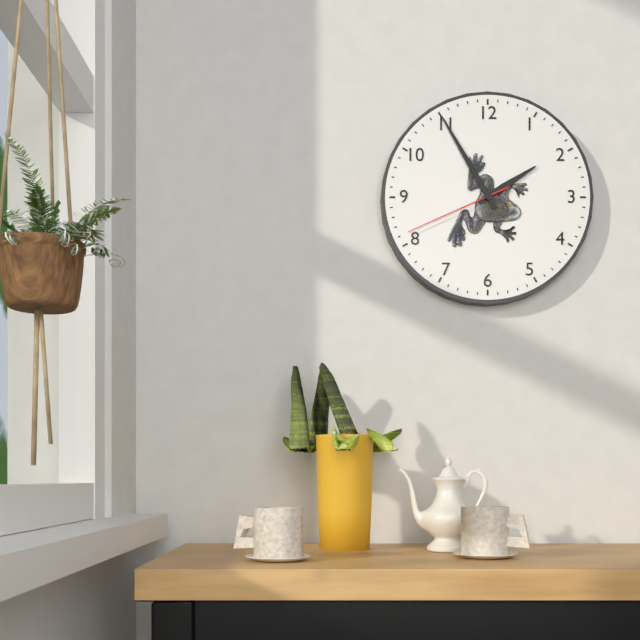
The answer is 1:55:41
